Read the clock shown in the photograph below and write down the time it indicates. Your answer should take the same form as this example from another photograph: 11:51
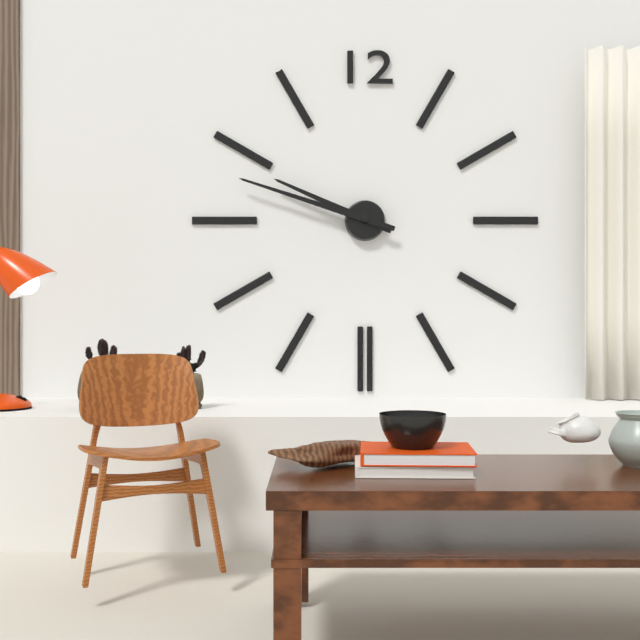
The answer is 9:48
